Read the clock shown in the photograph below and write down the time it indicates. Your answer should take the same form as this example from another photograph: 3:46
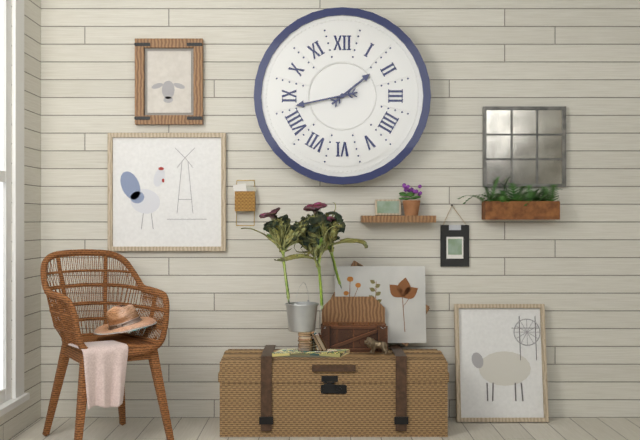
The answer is 1:43
